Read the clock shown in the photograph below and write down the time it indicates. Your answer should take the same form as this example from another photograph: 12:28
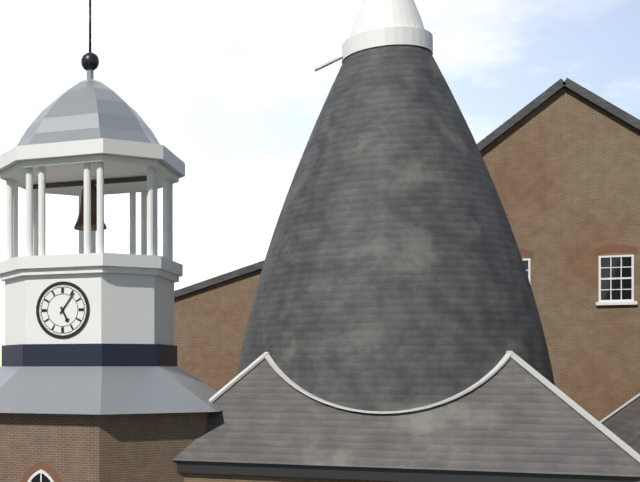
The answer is 5:06
